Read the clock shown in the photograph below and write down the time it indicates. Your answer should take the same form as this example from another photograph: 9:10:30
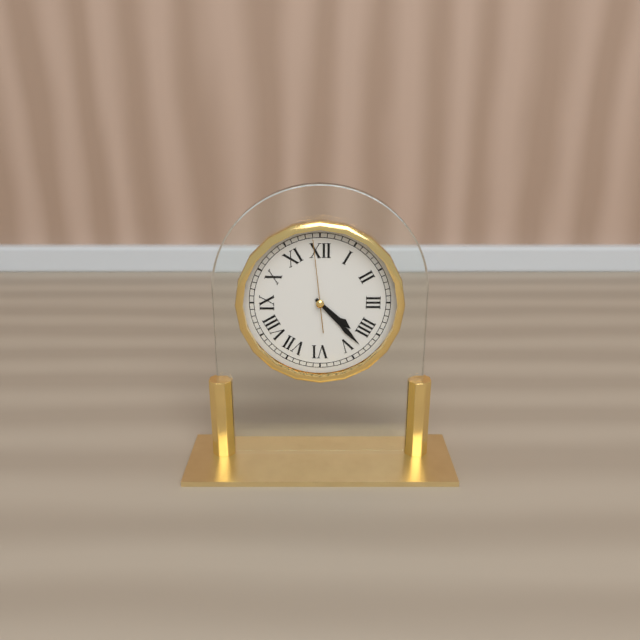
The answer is 4:23:59
